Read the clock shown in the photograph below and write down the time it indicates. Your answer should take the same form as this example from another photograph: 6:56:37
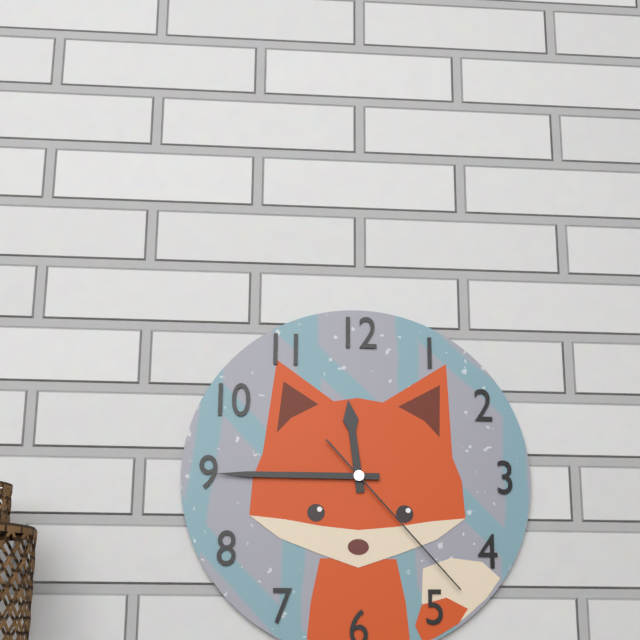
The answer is 11:45:23
